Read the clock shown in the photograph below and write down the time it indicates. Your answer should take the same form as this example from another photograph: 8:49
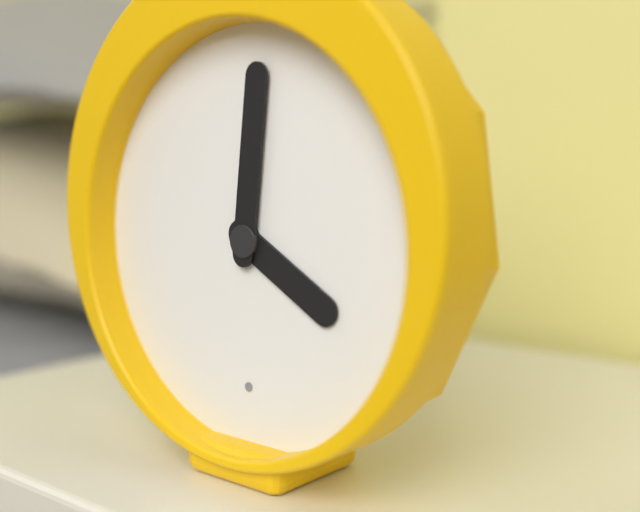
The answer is 4:01
